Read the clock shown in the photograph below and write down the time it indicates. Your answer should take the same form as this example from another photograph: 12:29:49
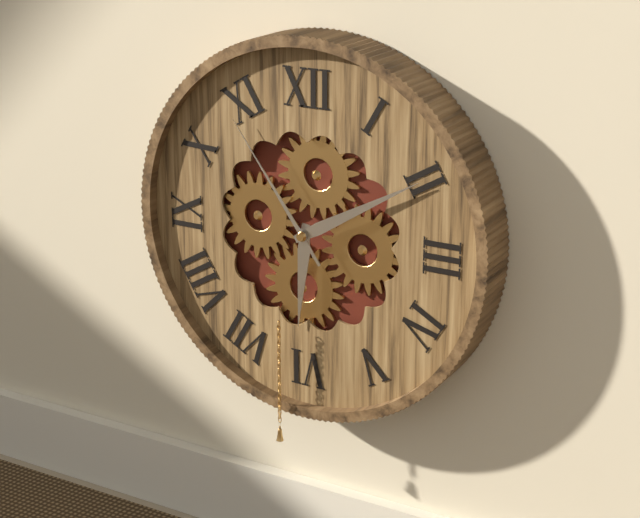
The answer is 6:10:54
